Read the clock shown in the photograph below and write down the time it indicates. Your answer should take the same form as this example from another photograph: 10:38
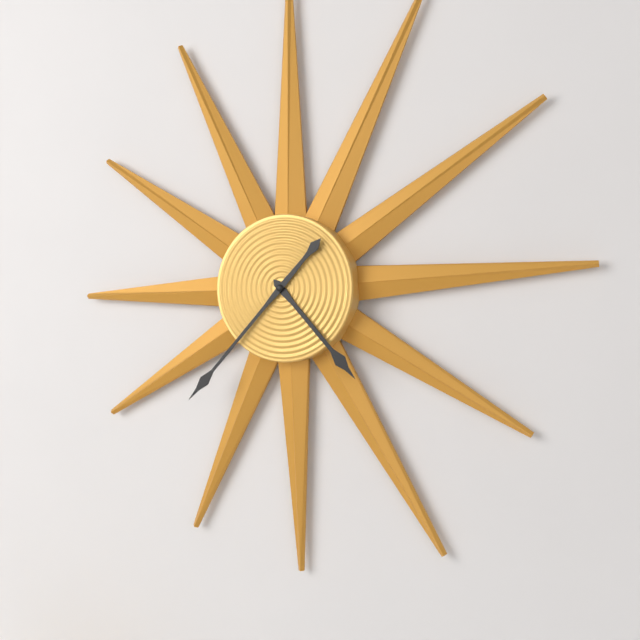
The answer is 4:37
